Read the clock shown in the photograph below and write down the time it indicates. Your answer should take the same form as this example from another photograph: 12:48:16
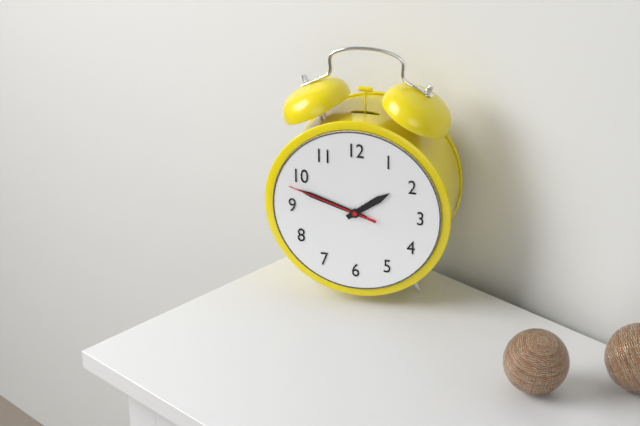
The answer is 1:48:48
